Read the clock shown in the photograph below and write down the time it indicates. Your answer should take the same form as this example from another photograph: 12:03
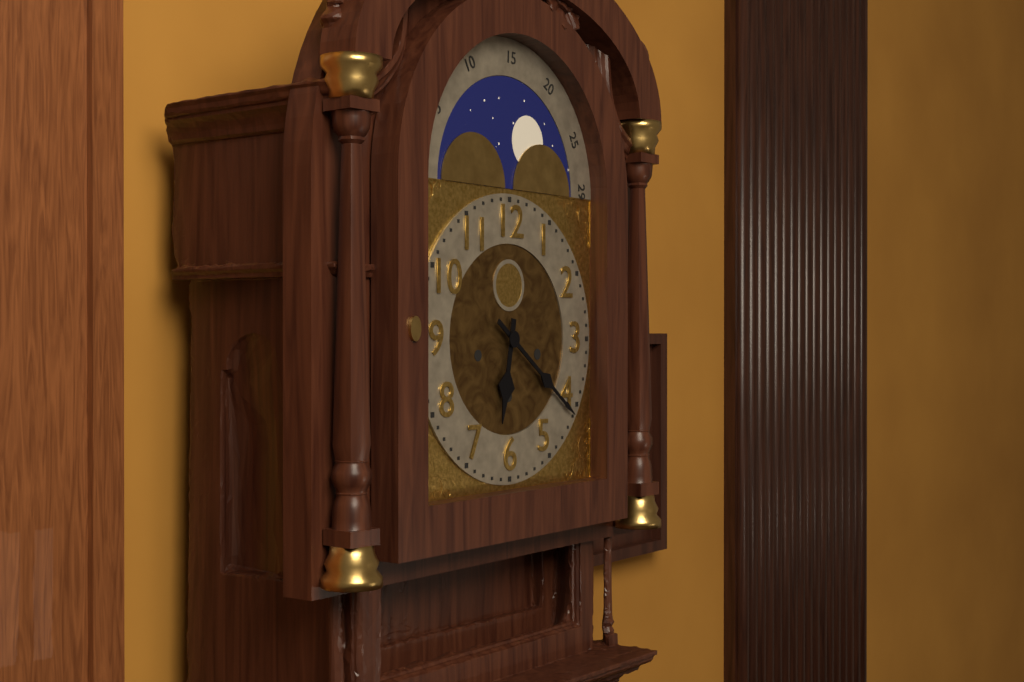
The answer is 6:21
